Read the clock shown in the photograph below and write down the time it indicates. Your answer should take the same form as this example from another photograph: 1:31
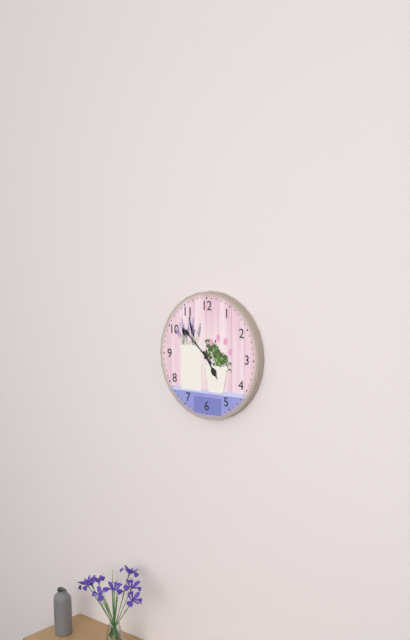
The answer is 4:52
